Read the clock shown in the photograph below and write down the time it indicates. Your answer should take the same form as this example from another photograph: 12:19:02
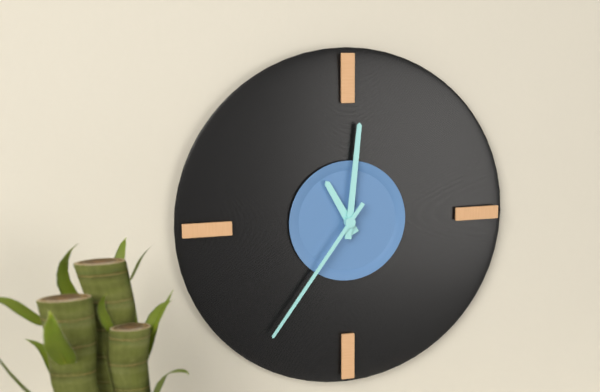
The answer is 11:01:36
